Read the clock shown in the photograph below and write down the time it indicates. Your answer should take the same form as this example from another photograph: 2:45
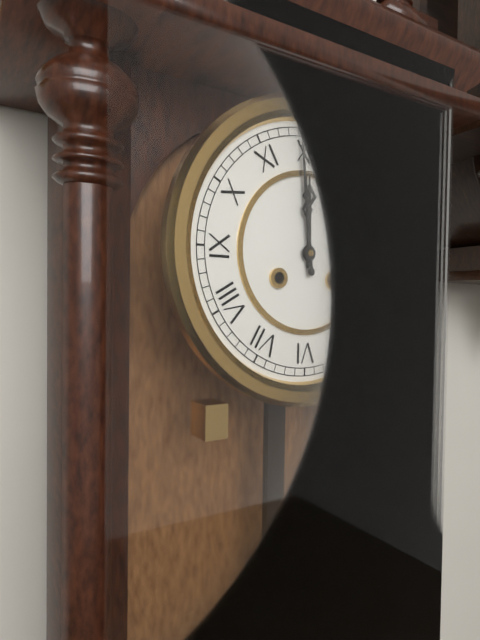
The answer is 11:59
